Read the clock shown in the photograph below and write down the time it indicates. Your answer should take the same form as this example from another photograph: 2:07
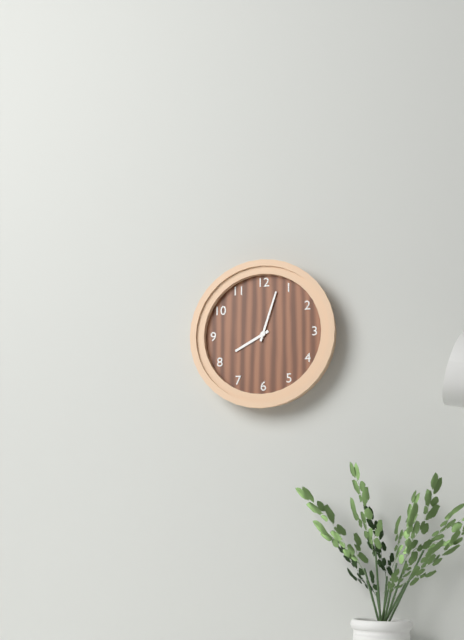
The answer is 8:03
